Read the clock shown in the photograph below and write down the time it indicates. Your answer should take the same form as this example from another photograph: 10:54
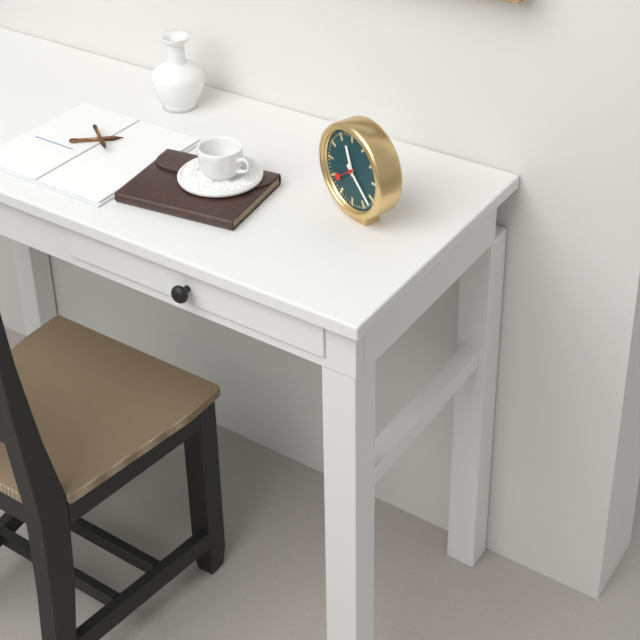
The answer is 11:22
